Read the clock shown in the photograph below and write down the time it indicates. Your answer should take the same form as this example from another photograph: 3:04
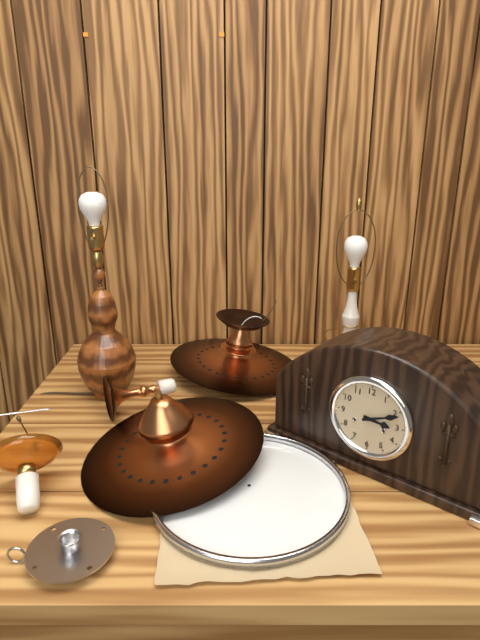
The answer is 3:11
